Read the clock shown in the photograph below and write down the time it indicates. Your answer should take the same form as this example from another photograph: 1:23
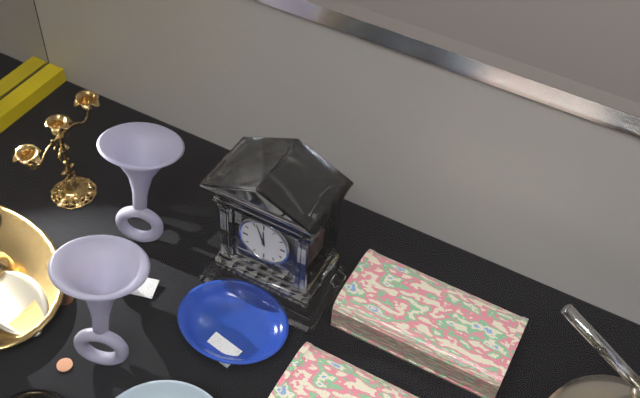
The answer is 11:57
